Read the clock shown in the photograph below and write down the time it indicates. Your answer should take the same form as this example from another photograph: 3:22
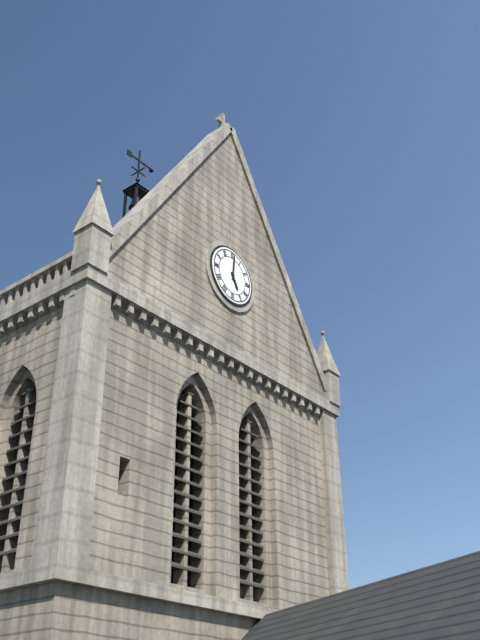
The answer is 5:01
